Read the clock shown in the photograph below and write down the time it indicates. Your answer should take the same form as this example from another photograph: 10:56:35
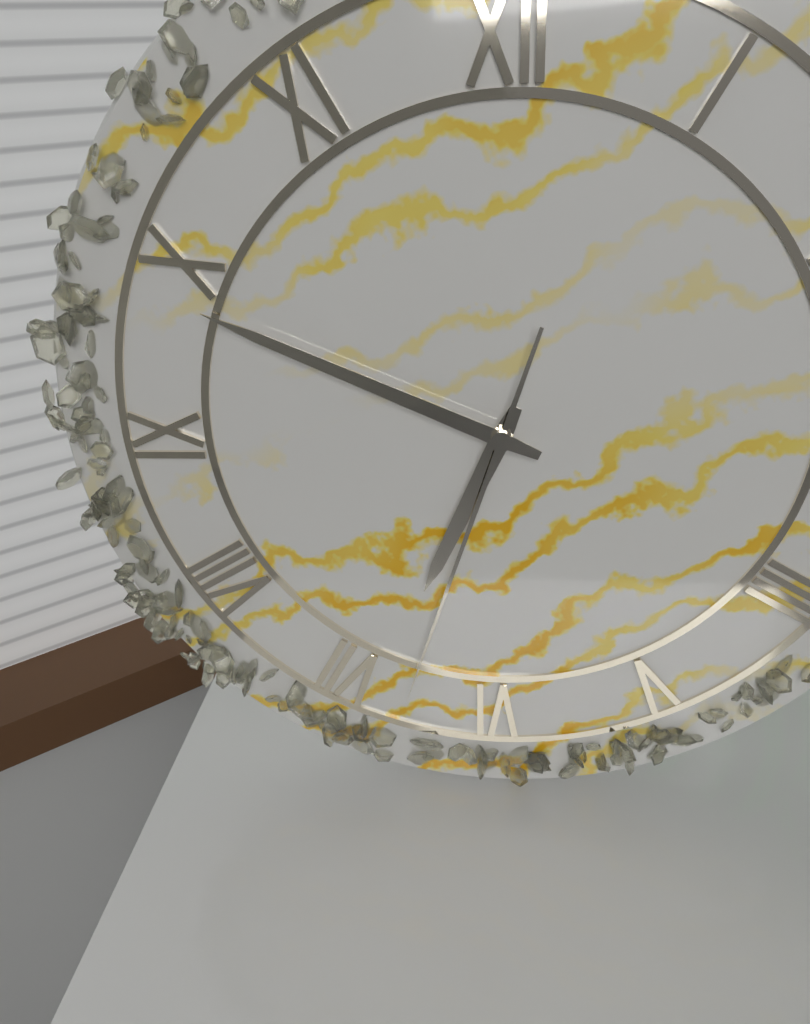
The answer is 6:49:33
